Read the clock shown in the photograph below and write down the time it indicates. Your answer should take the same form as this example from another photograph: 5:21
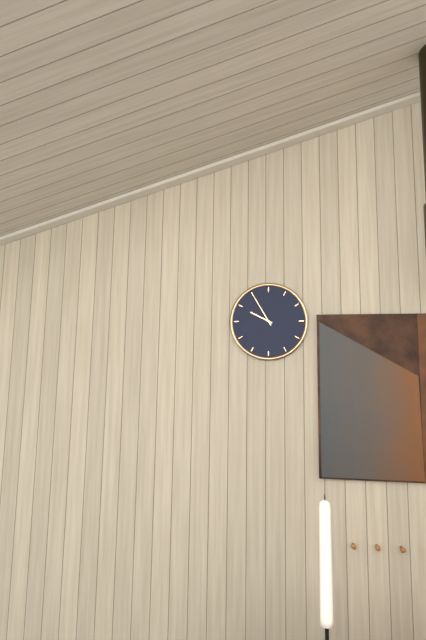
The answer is 9:55
